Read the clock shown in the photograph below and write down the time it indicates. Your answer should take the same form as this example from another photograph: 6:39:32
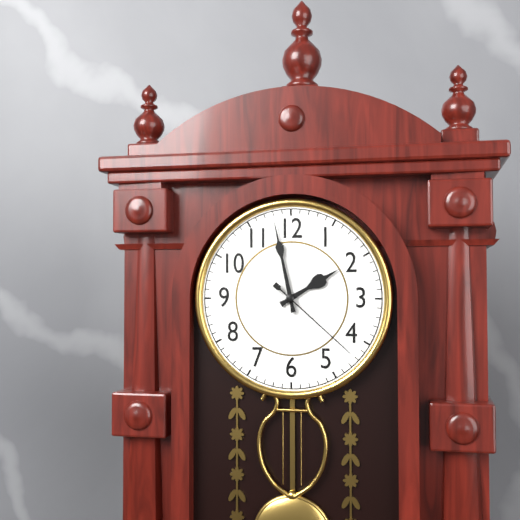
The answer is 1:58:22
